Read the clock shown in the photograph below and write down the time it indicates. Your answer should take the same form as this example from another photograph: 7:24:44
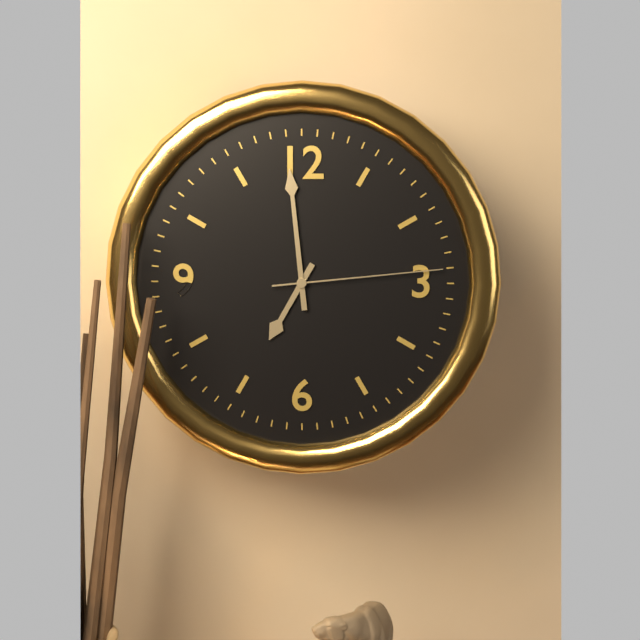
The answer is 6:59:14
